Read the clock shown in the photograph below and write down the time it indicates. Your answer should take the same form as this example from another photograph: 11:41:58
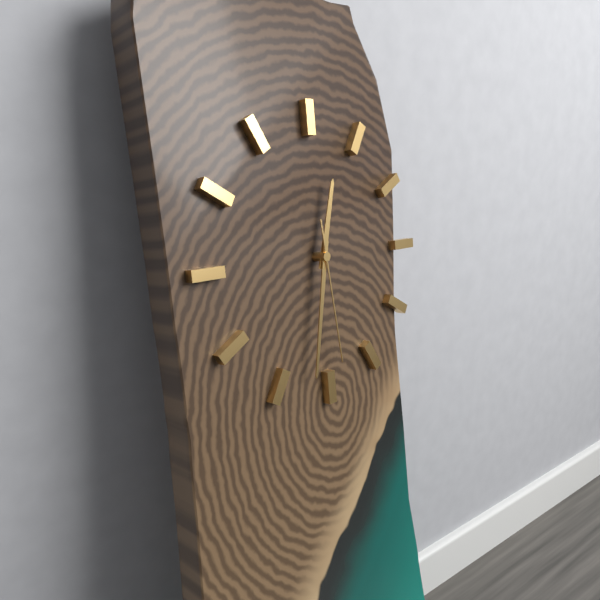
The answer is 12:32:29
